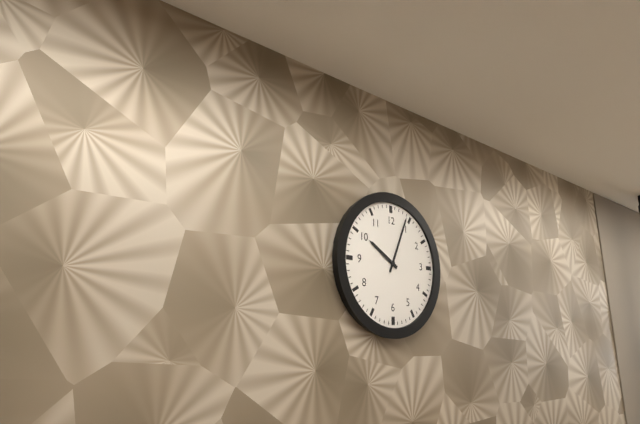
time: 10:04
